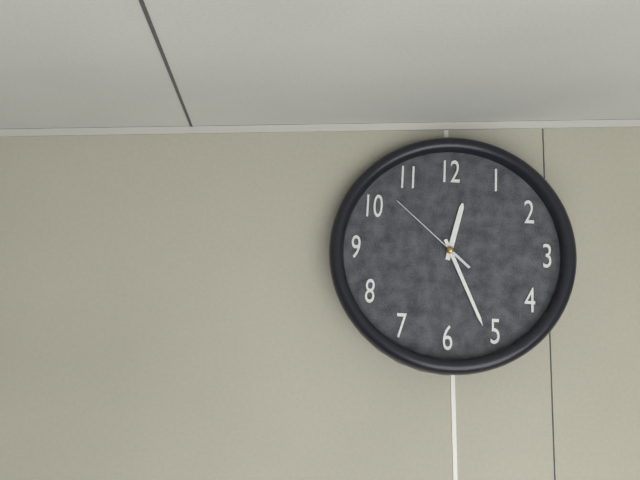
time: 12:26:52
